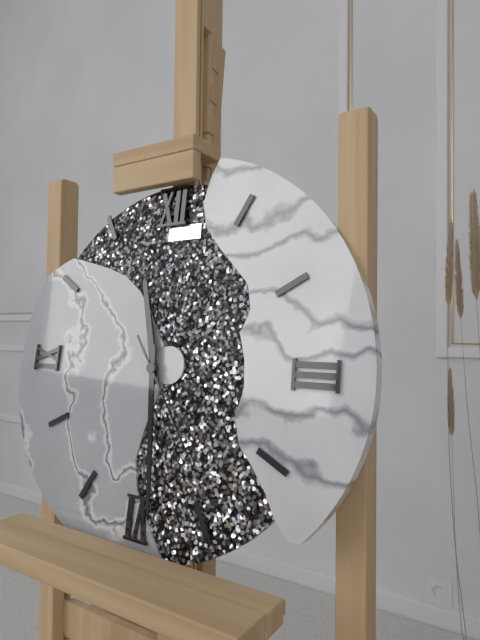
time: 11:29:24
